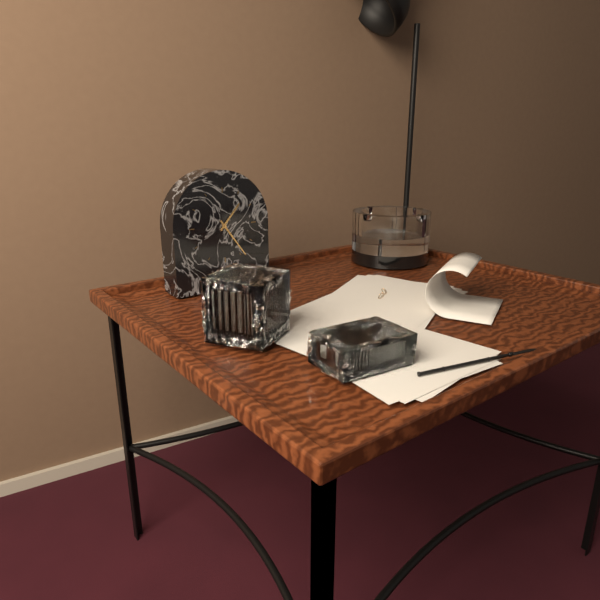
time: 1:24
